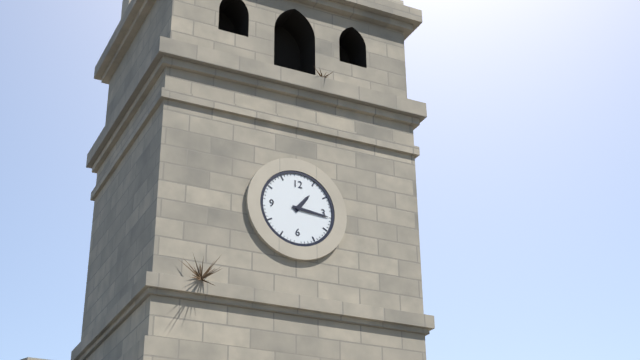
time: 1:16
